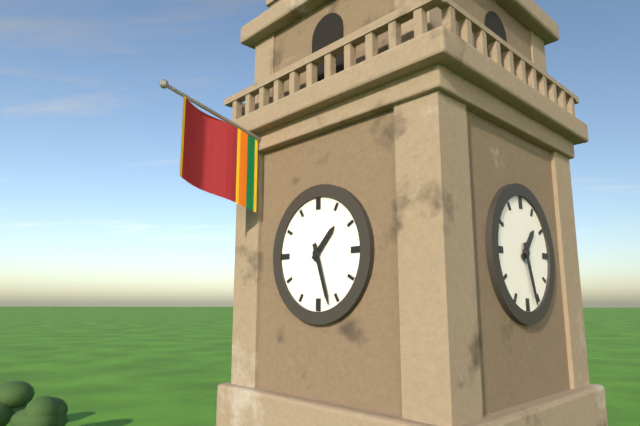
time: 1:27
